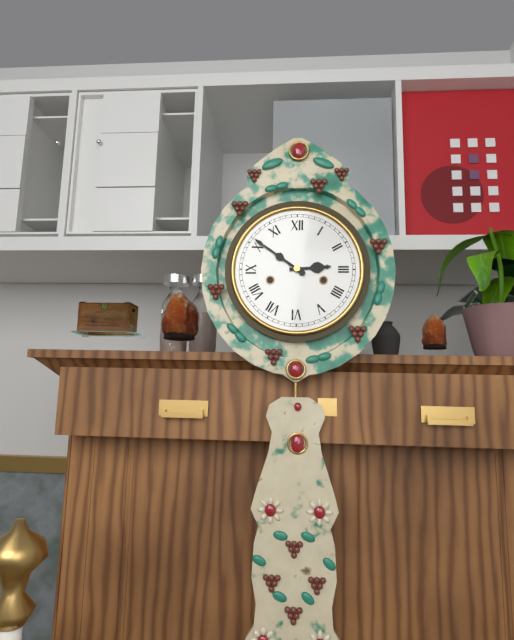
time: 2:51
